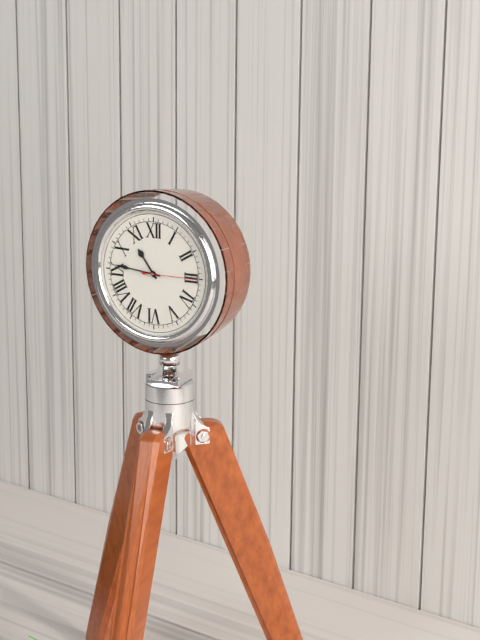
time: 10:46
